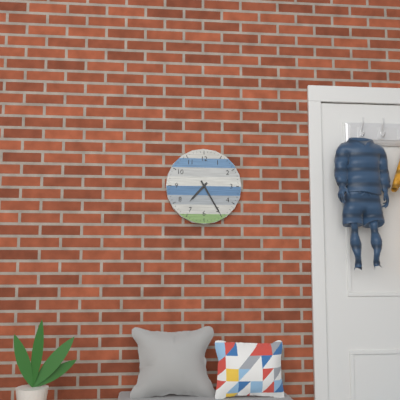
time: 7:25
